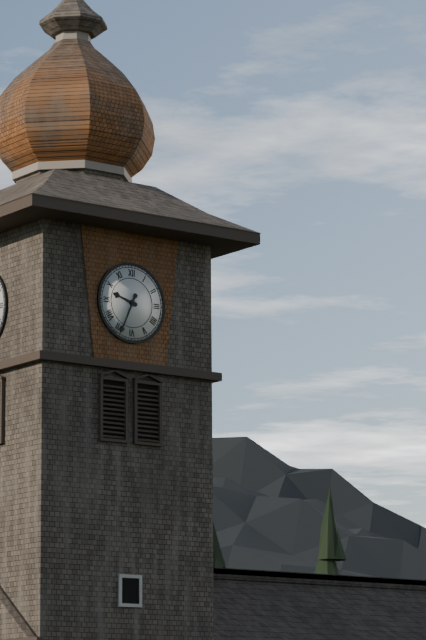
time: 9:34
